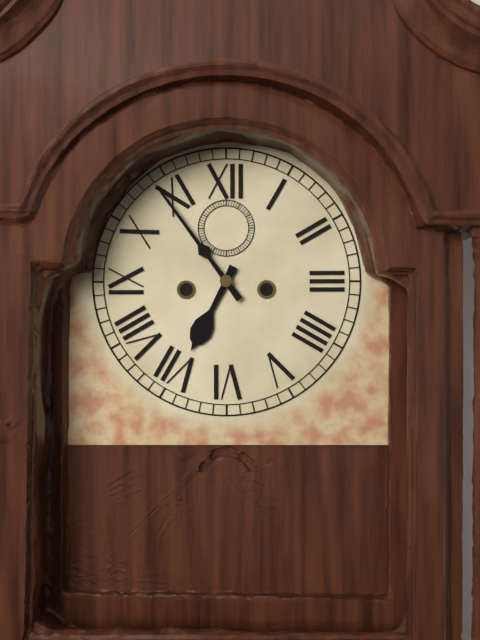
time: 6:54
